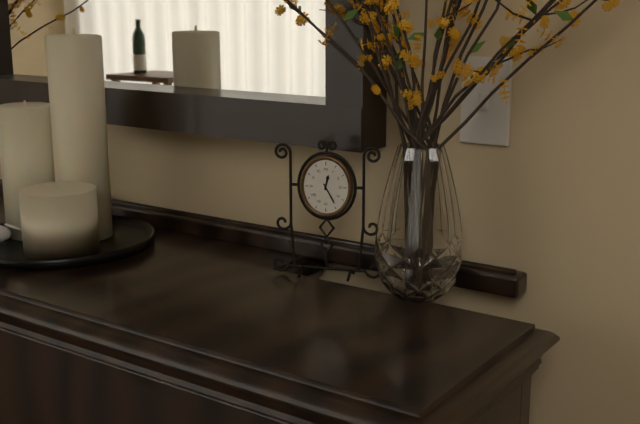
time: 12:25
